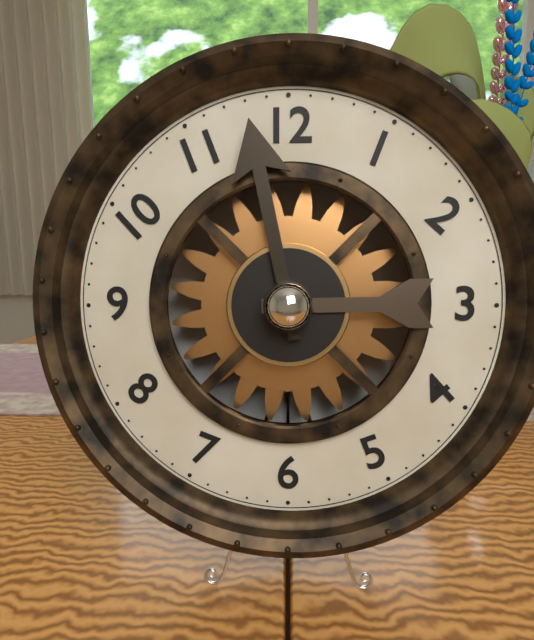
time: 2:58
